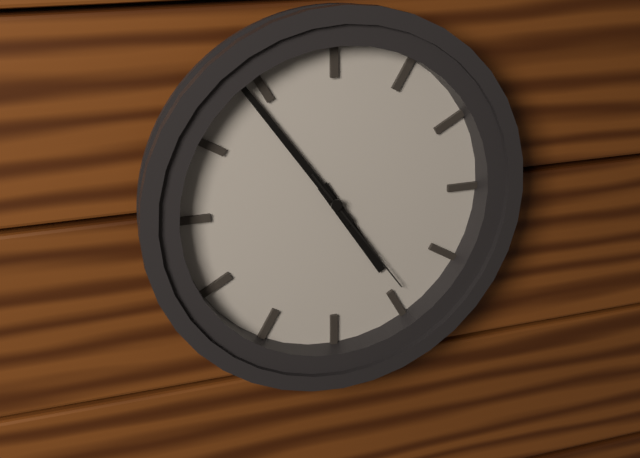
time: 4:54:24
